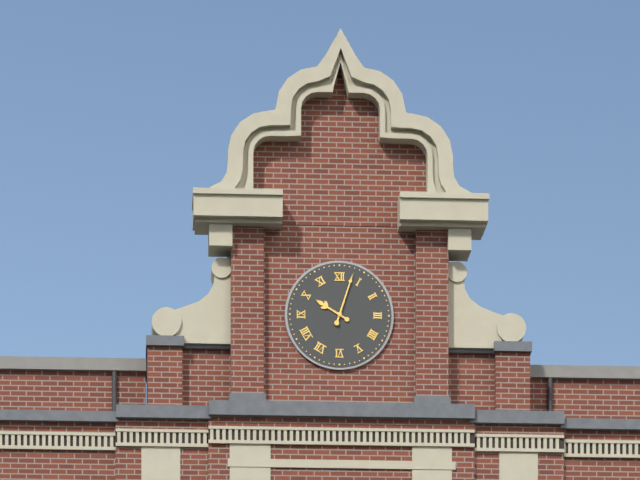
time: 10:03
